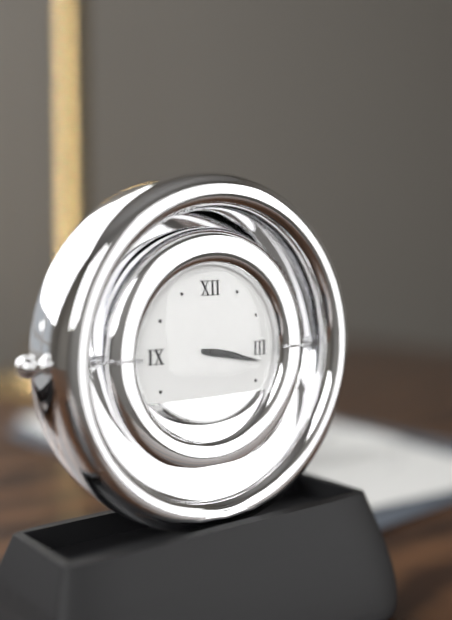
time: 3:17
